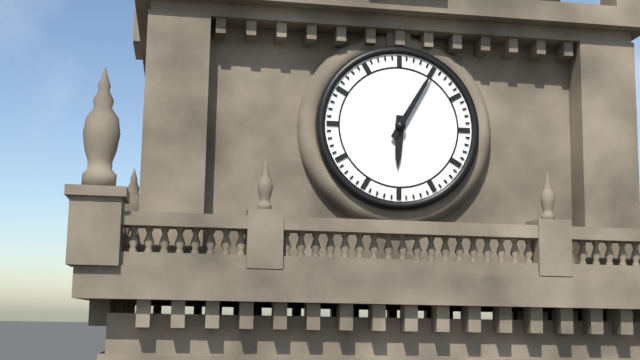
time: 6:05
